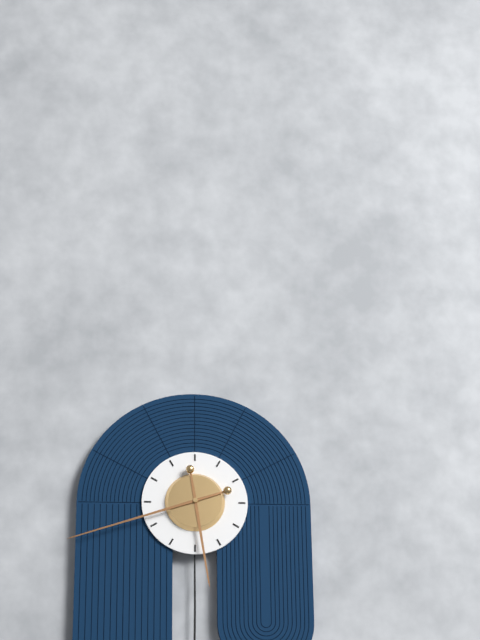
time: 5:42
